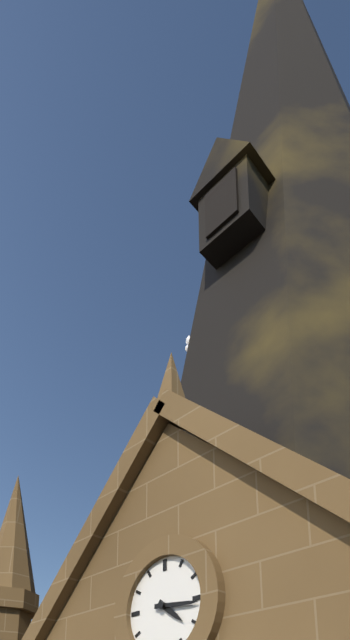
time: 4:16
